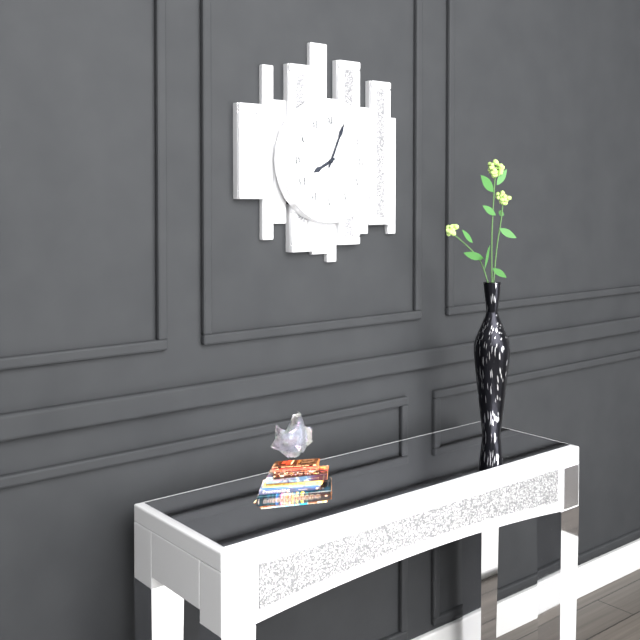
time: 8:04
